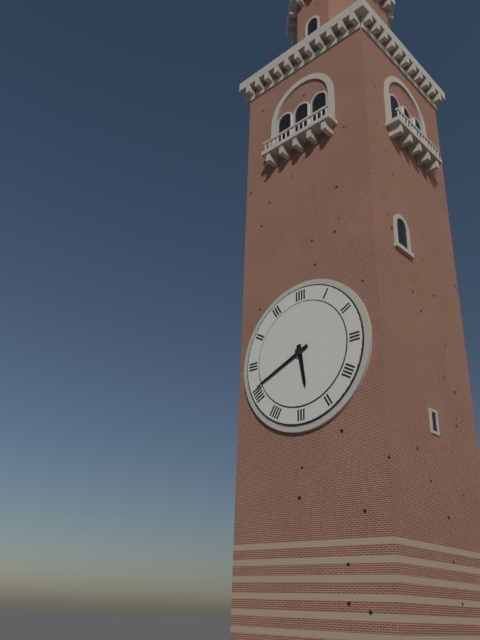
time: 5:41
